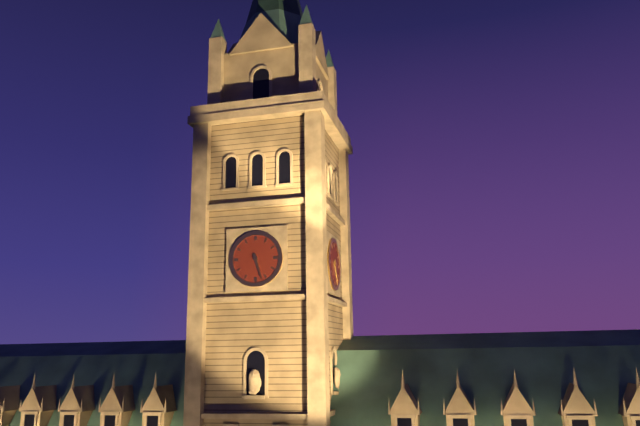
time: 5:27
